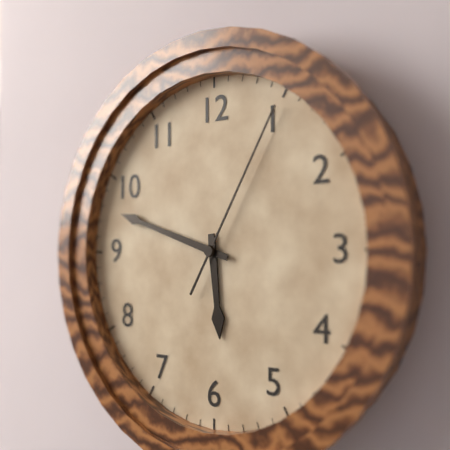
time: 5:48:05
